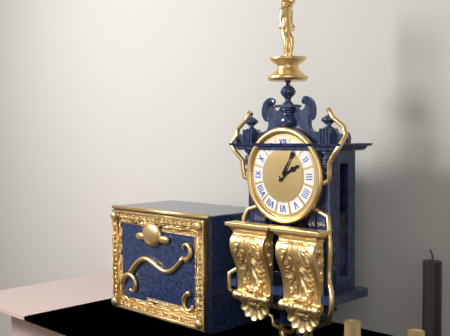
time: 2:05
